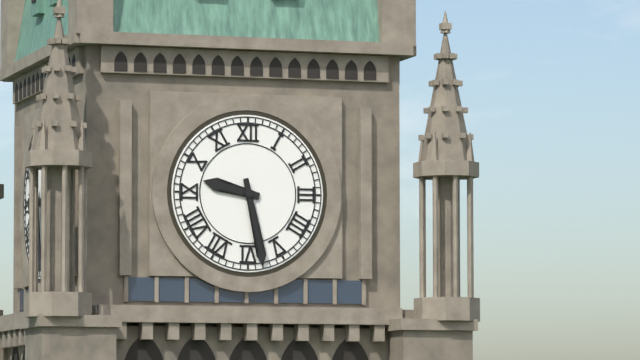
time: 9:28
